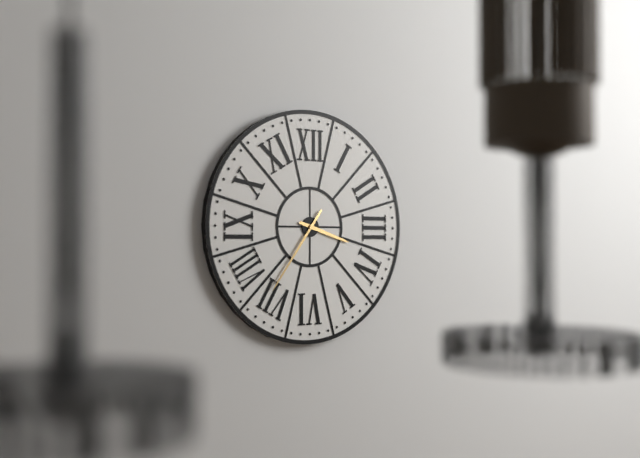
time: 3:36
